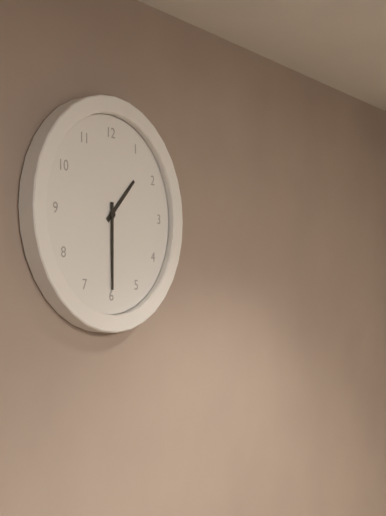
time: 1:30
